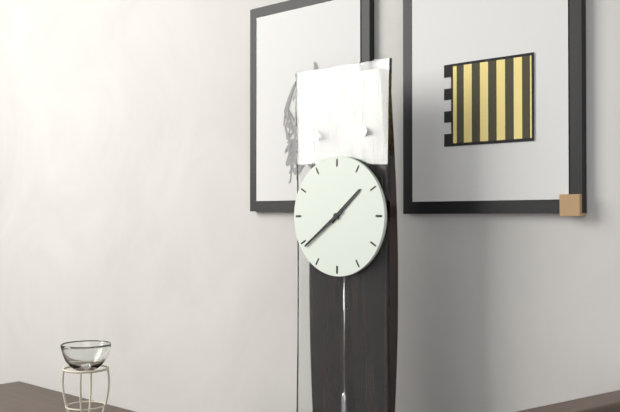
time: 1:39
